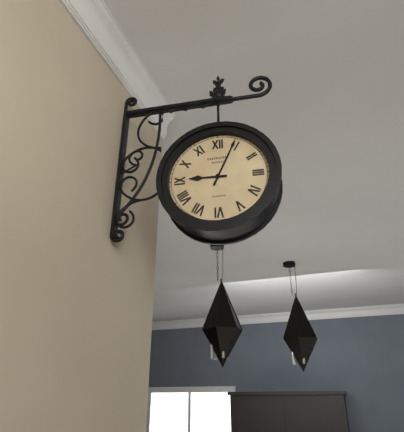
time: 9:04
